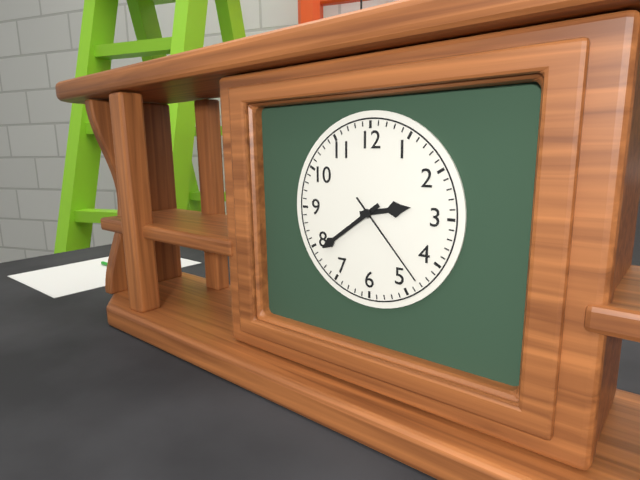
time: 2:39:23
